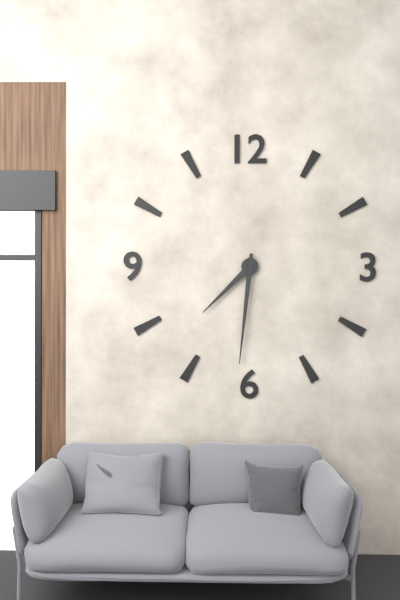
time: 7:31
